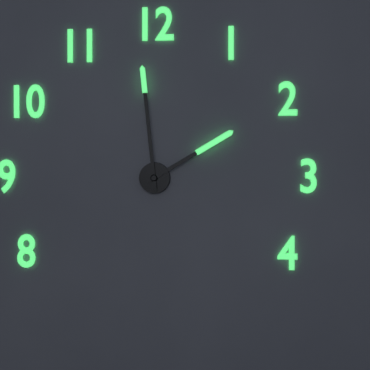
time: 1:59
